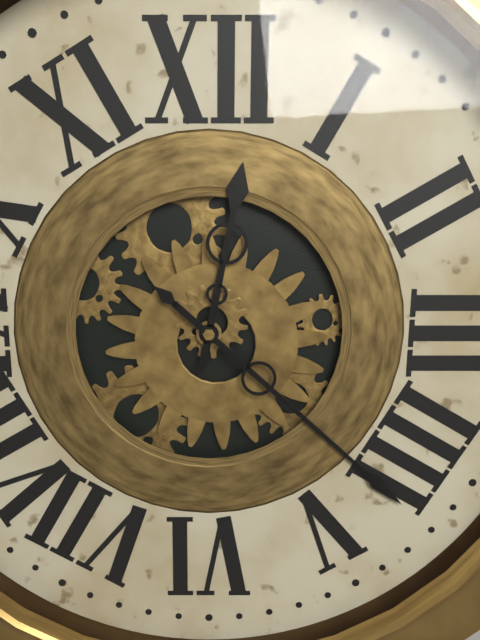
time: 12:22
